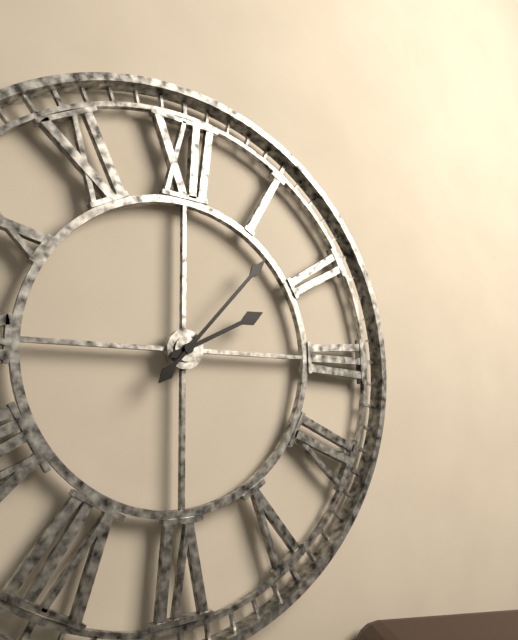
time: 2:07
